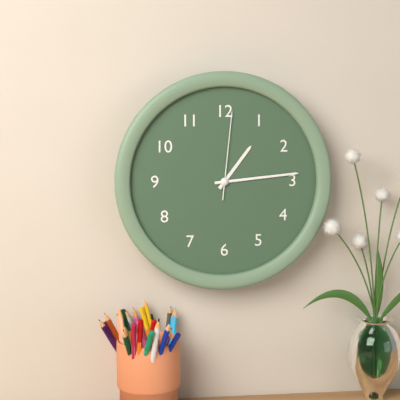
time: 1:14:01
